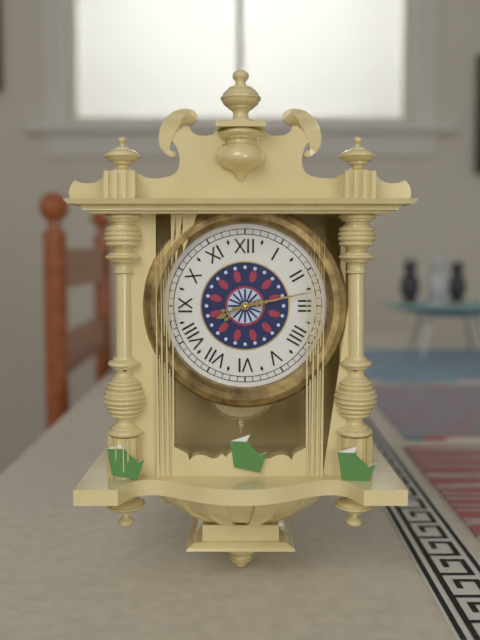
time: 8:13
